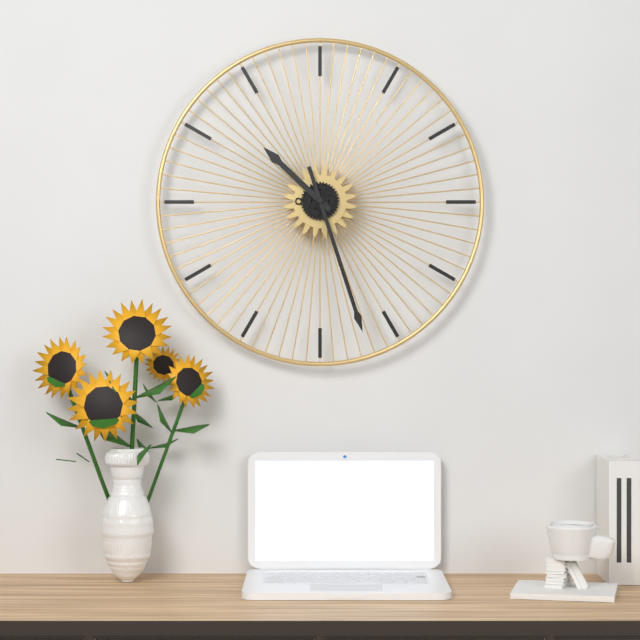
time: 10:27
